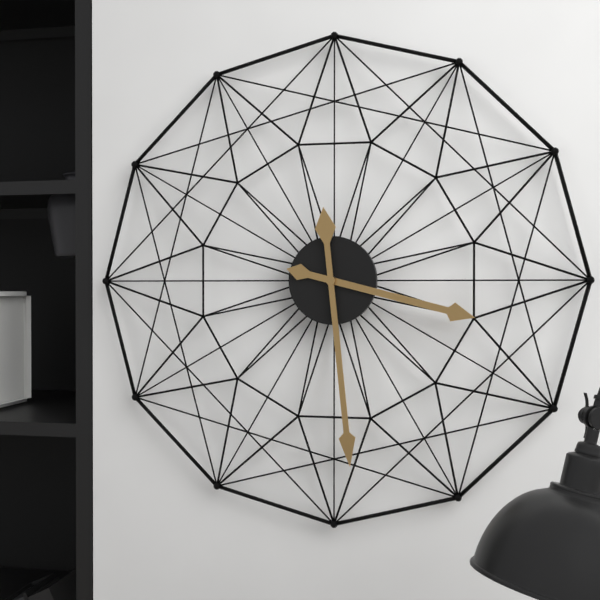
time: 3:29
